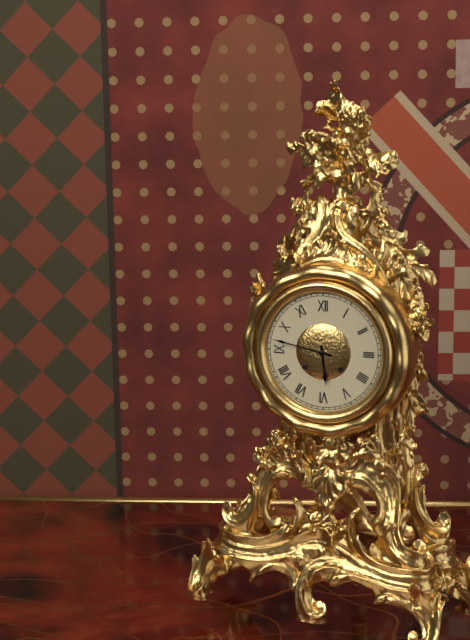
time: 5:47
